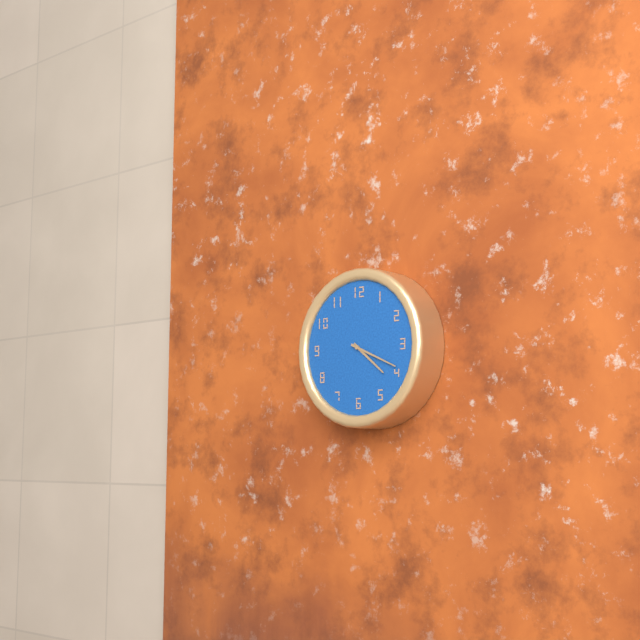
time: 4:19
